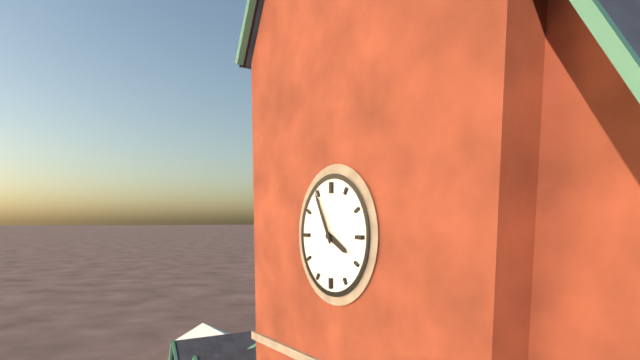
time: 3:55
